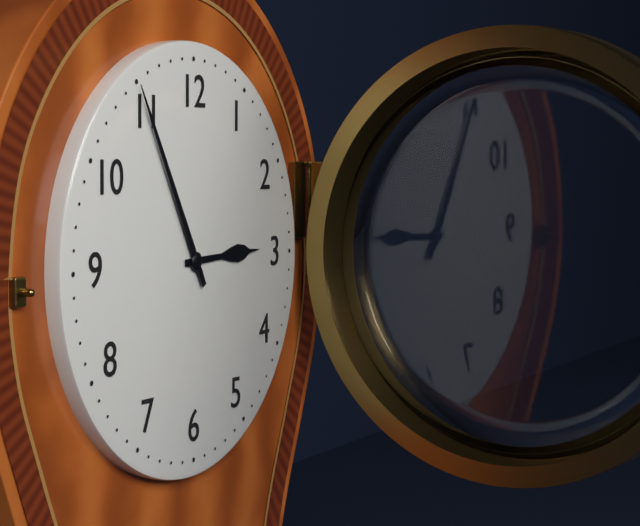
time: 2:55
